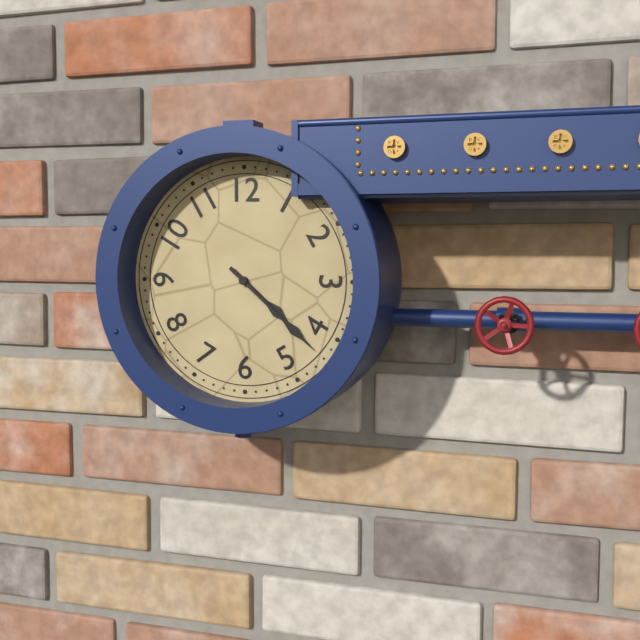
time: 4:22
